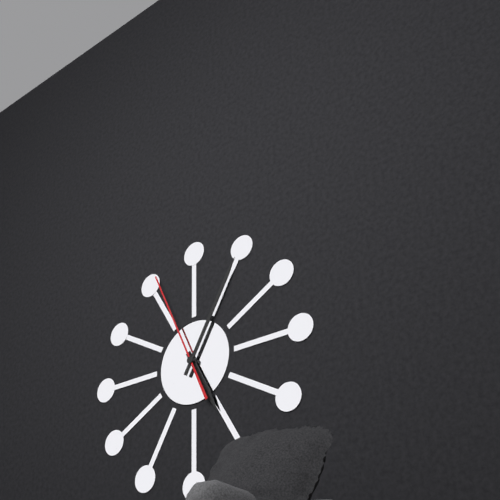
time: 5:05:56
